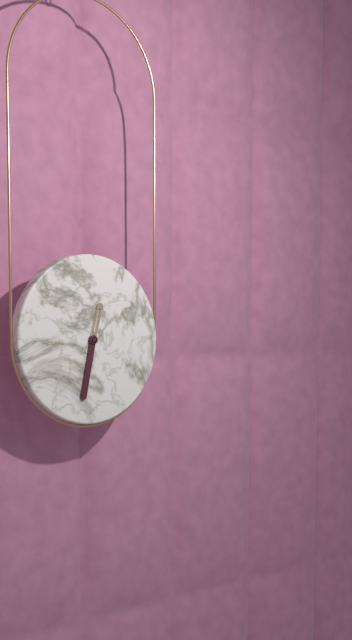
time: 12:32
